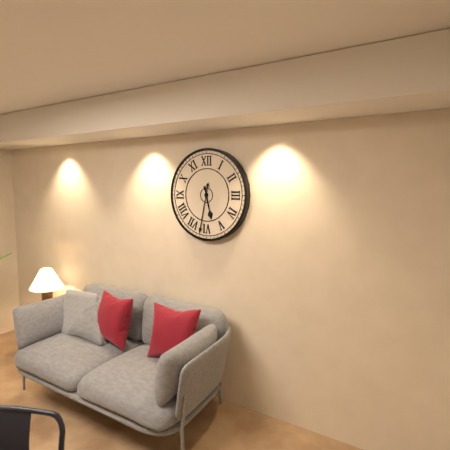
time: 5:32
